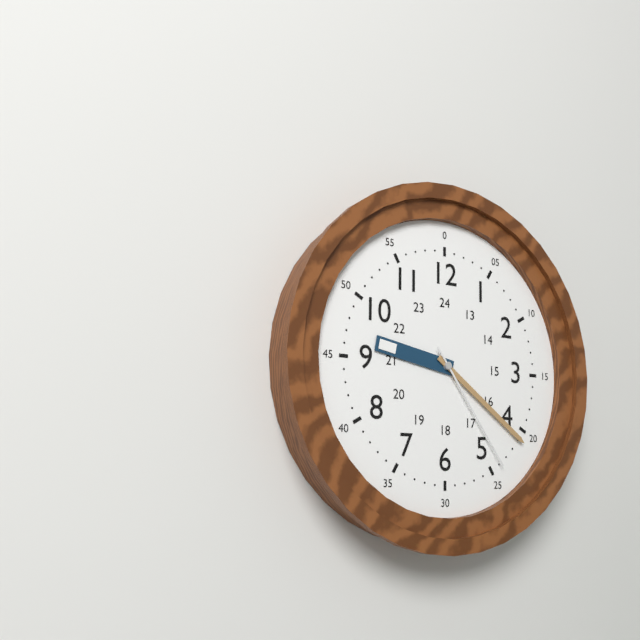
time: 9:21:24
